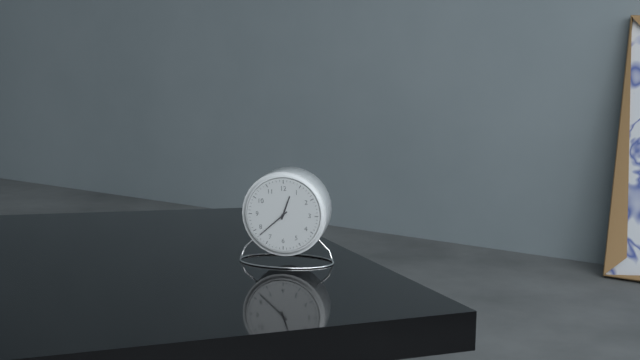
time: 12:38
